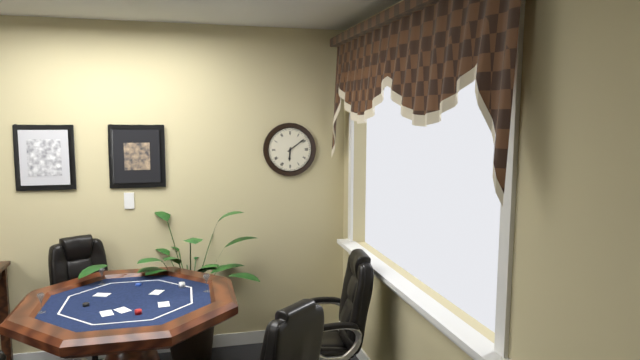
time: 6:09
